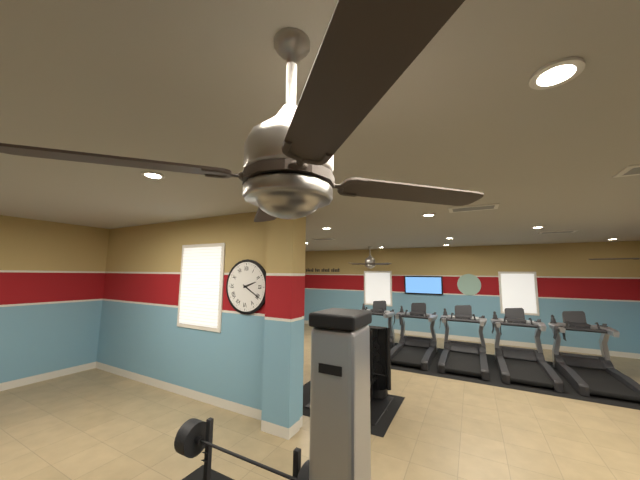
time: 2:20
